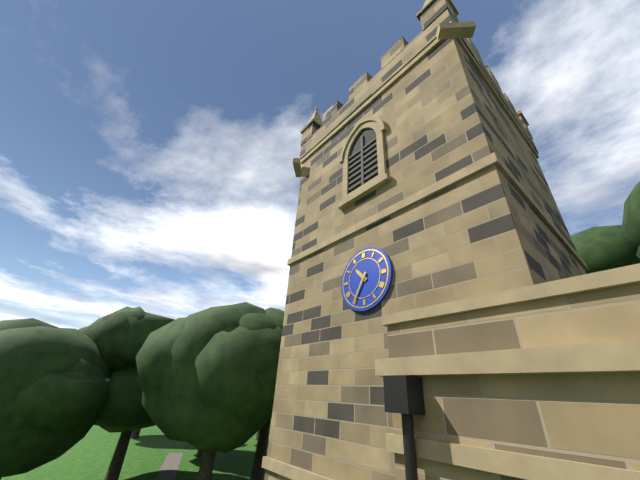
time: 10:35
